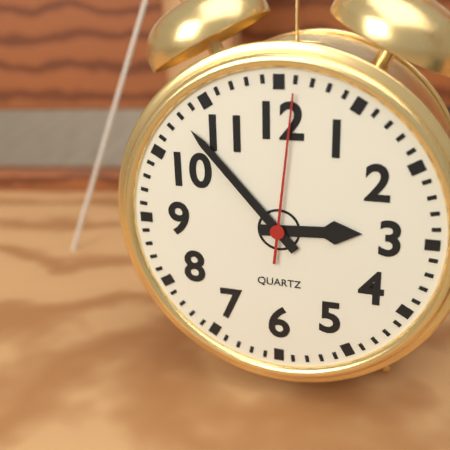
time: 2:53:01
